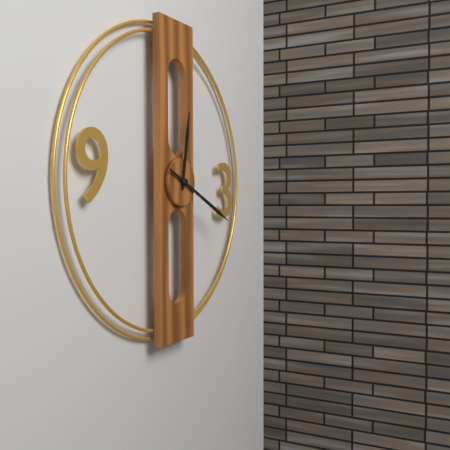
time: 12:19
